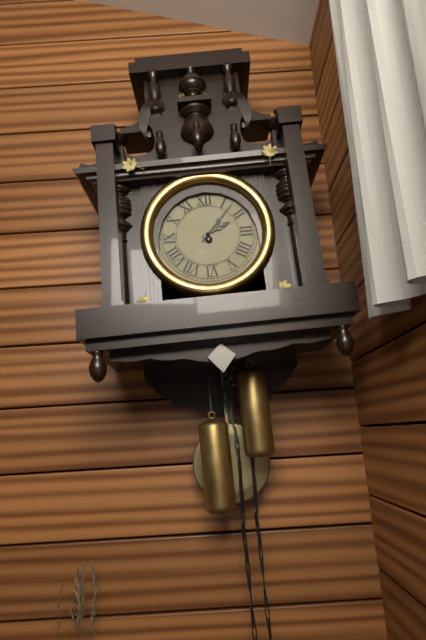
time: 2:07
